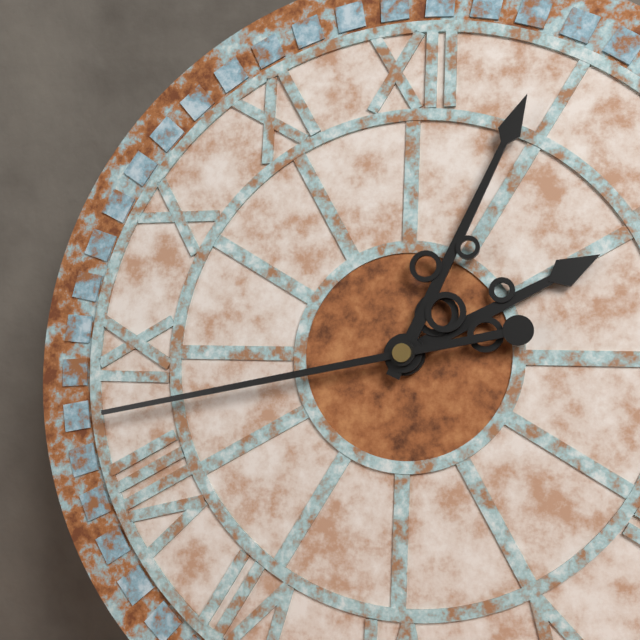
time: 2:04:43
